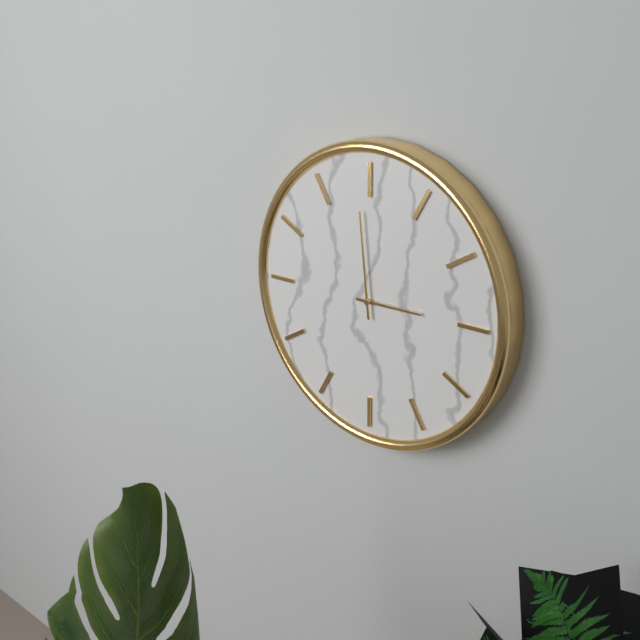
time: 2:59
